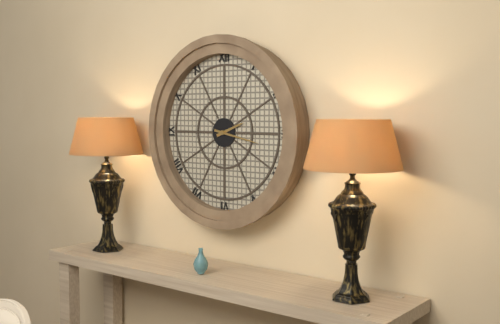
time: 2:17
